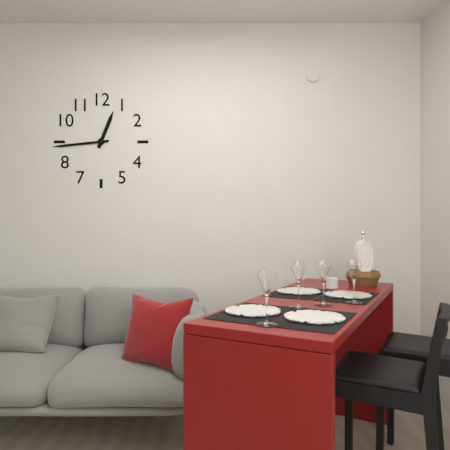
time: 12:44
